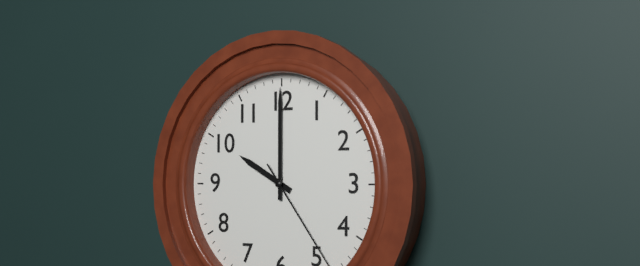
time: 10:00
